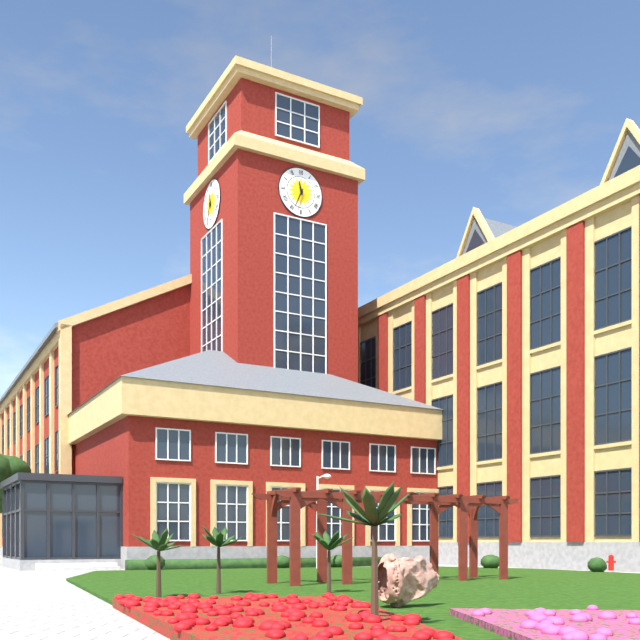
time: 11:34
